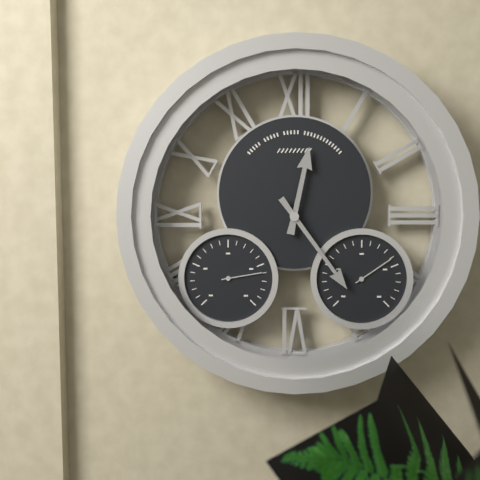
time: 12:24
